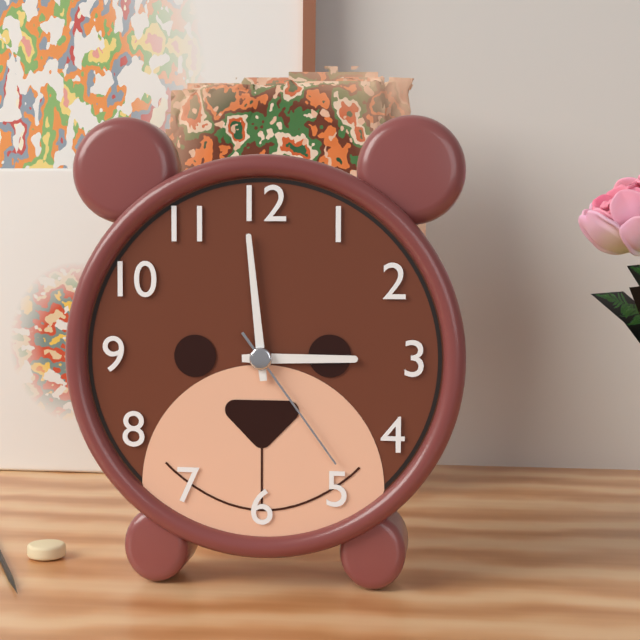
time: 2:59:24
